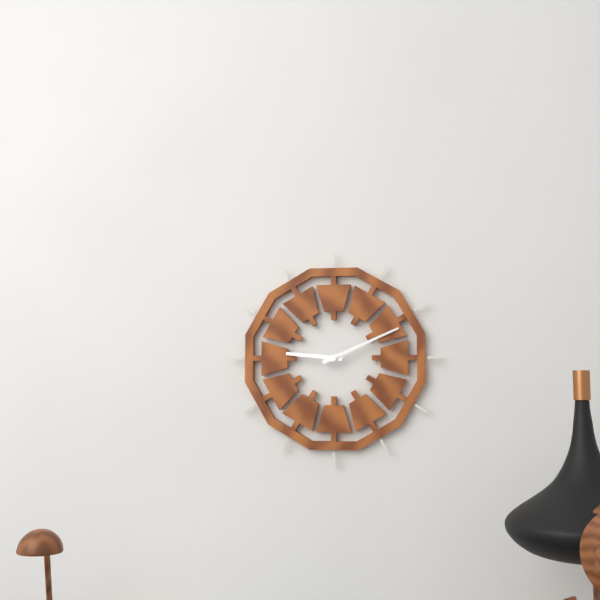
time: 9:11
